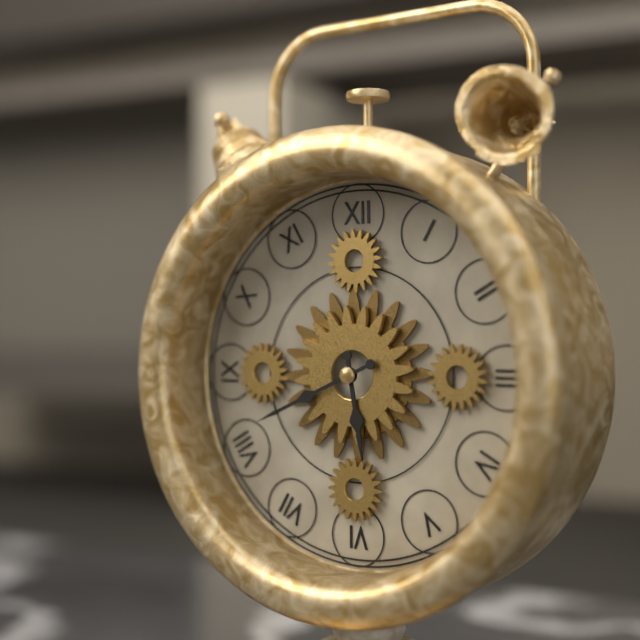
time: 5:41
